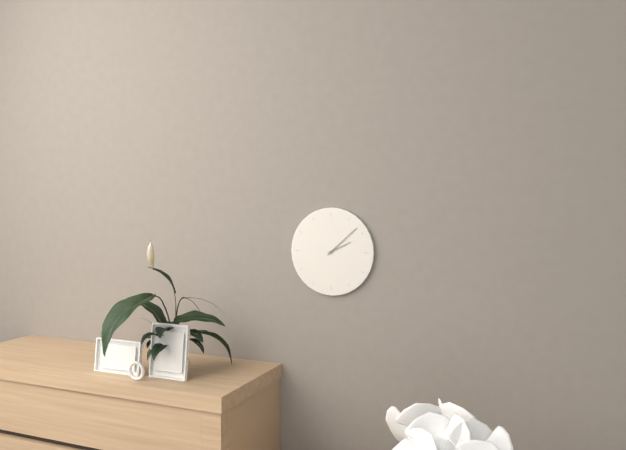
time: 2:08
